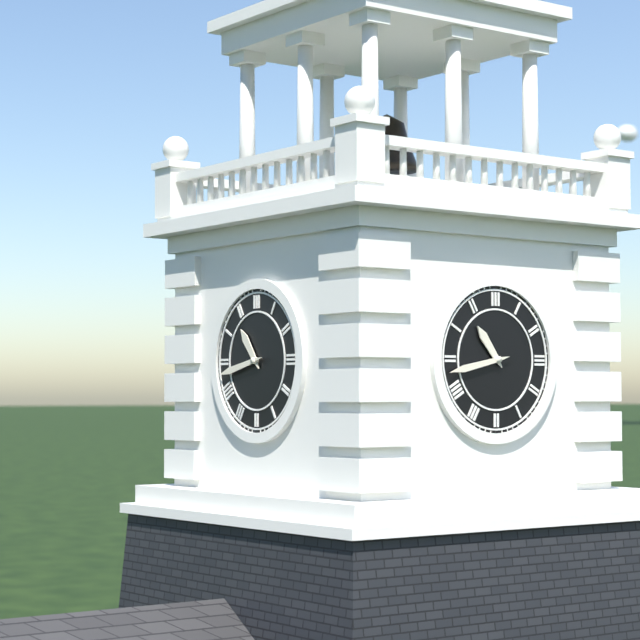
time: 10:43
